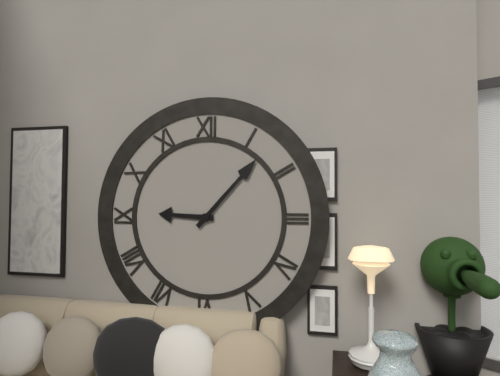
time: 9:07
